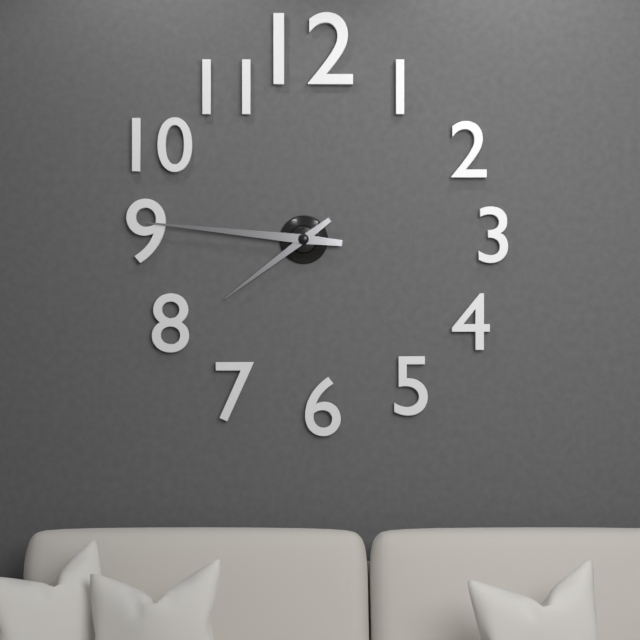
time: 7:46
